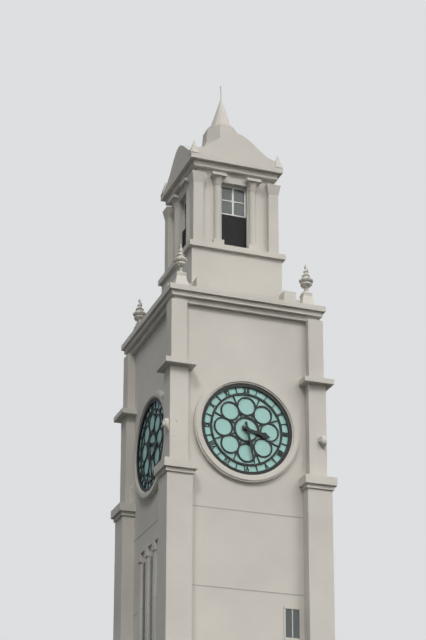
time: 3:28
